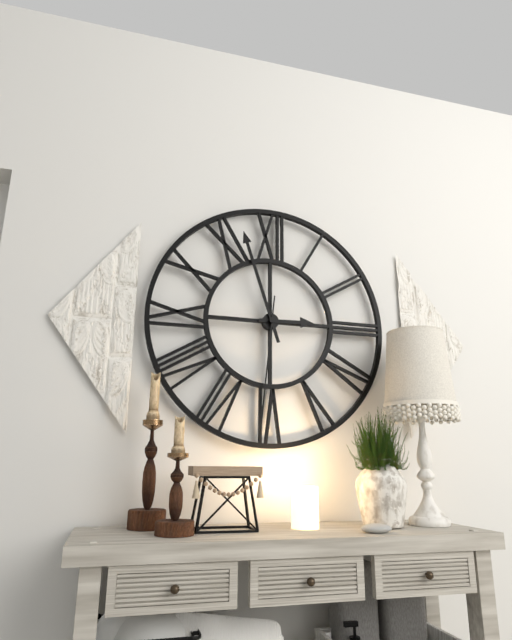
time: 2:57:31
